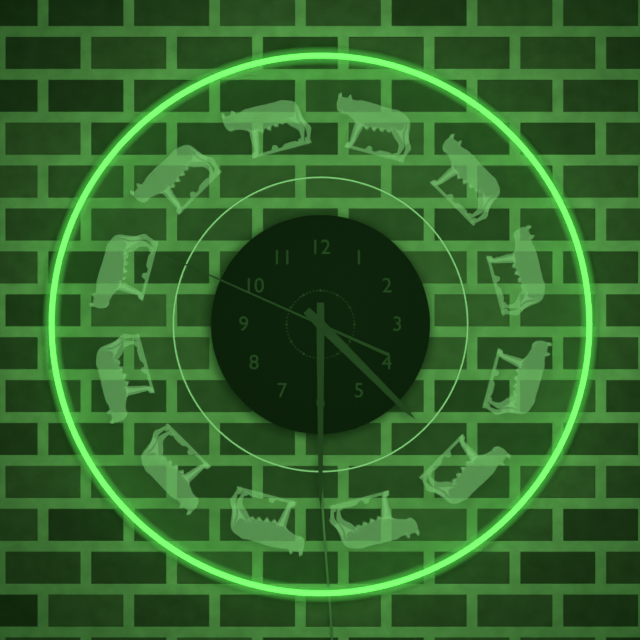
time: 4:30:49
